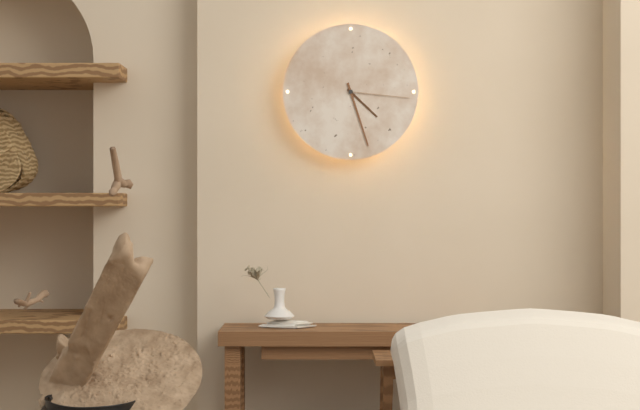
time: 4:27:16
